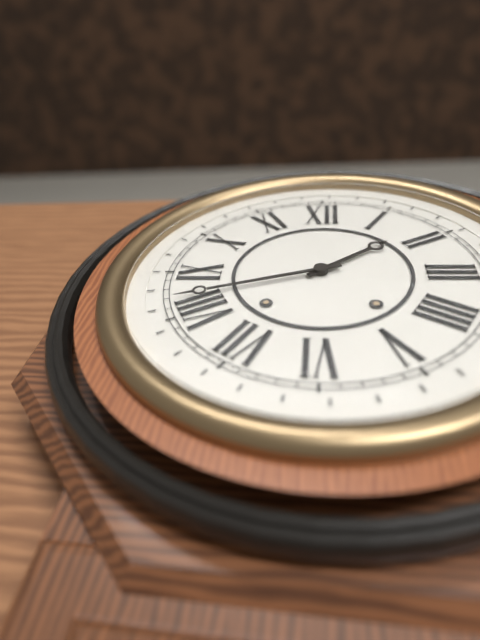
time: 1:42
